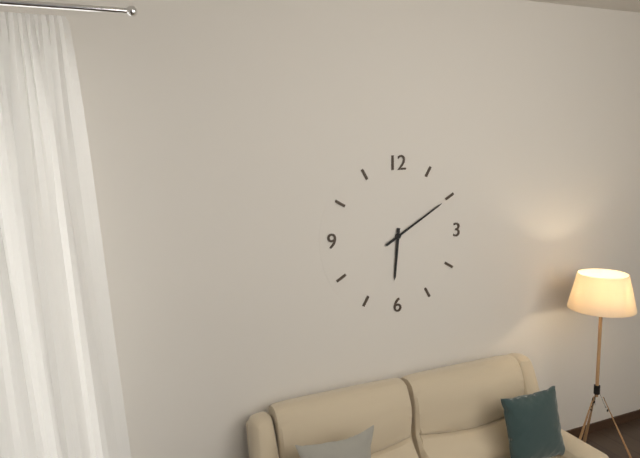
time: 6:10
